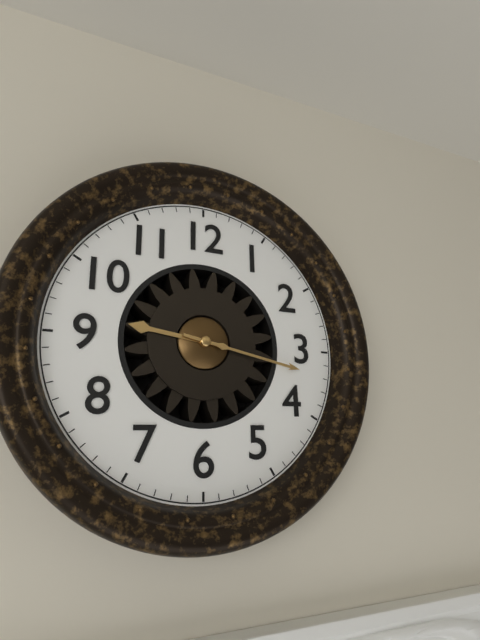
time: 9:17
